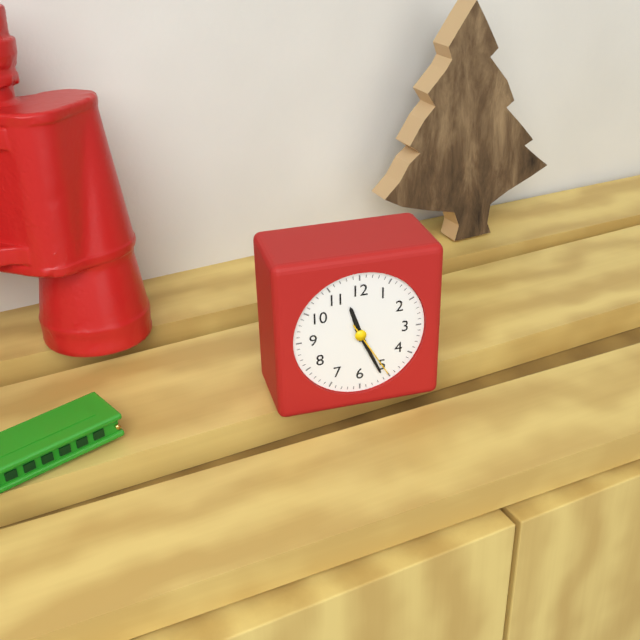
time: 11:26:25
